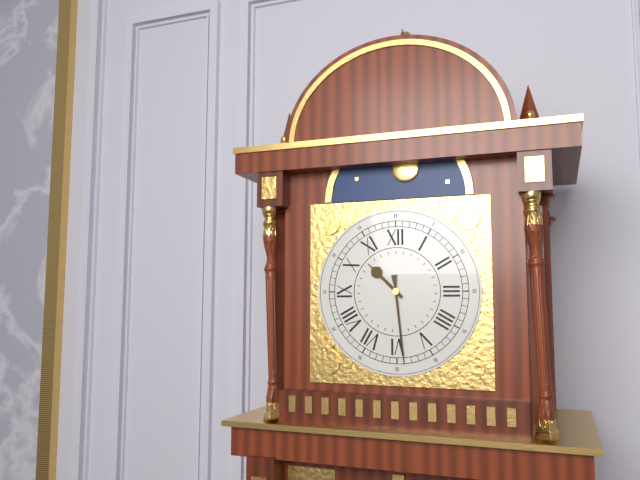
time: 10:29
